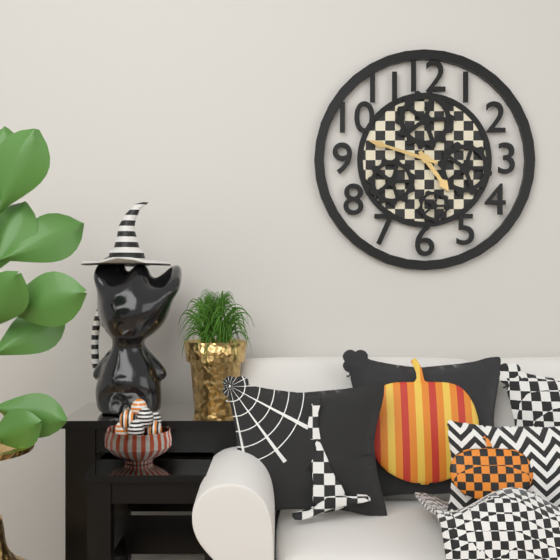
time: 4:48
